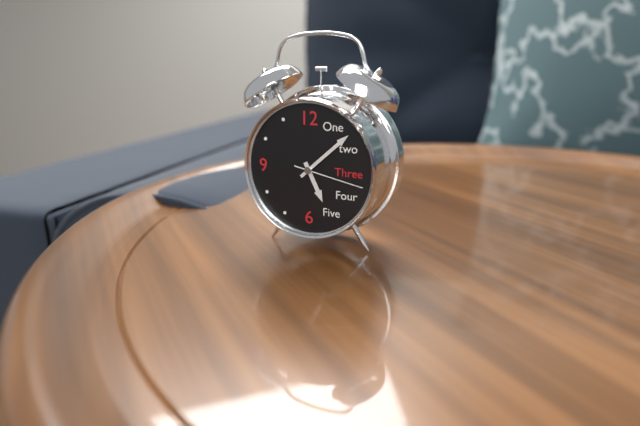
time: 5:08:17
